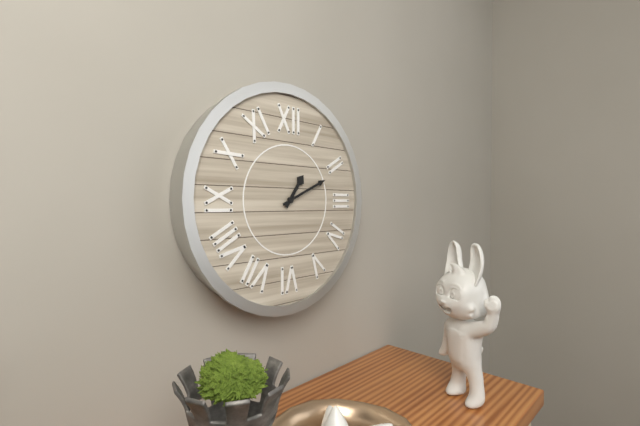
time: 1:11
